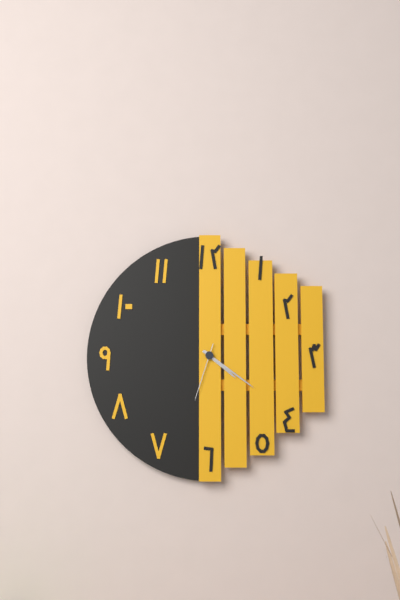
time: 4:21:33
